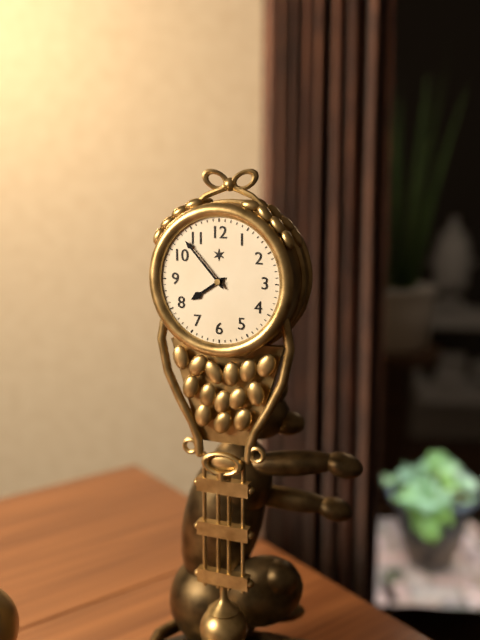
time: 7:53
